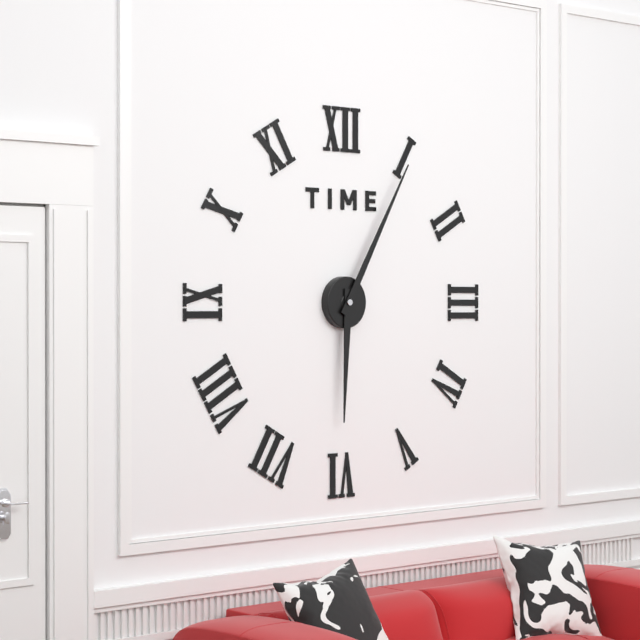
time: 6:05
